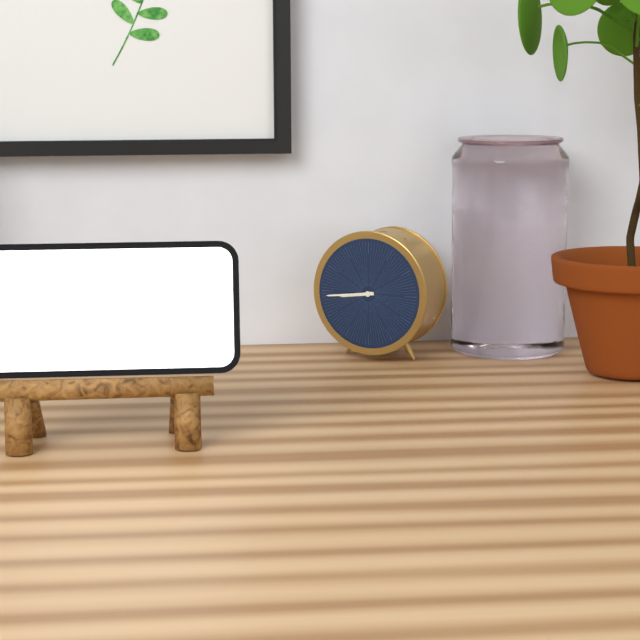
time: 8:44
